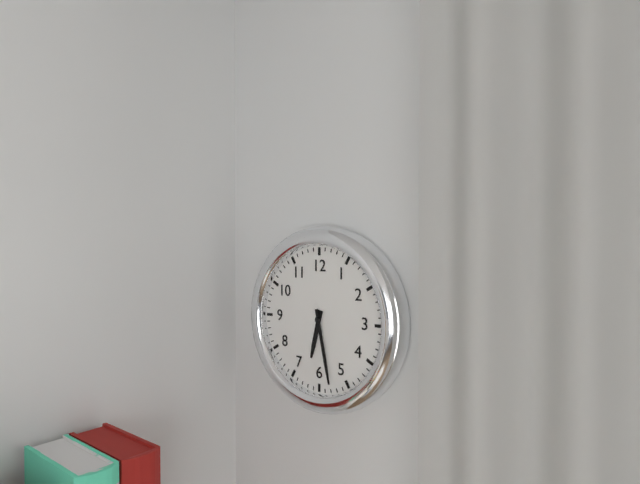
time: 6:28
